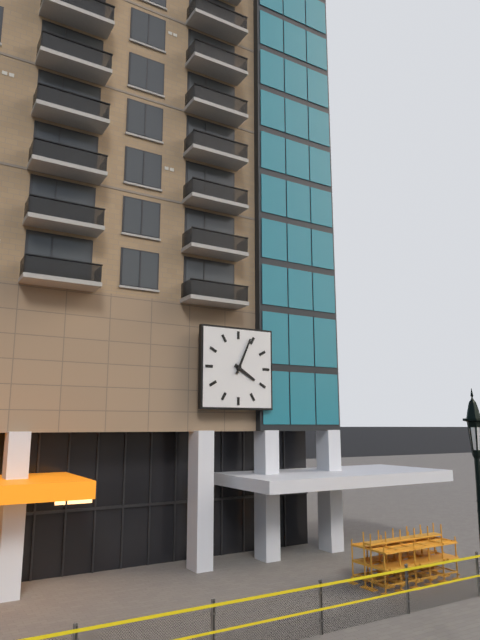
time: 4:04
